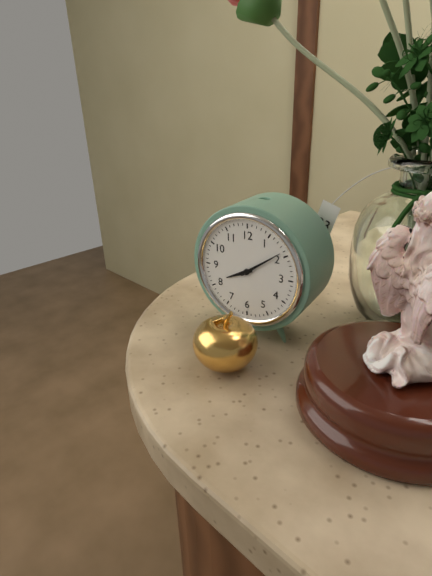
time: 8:09
